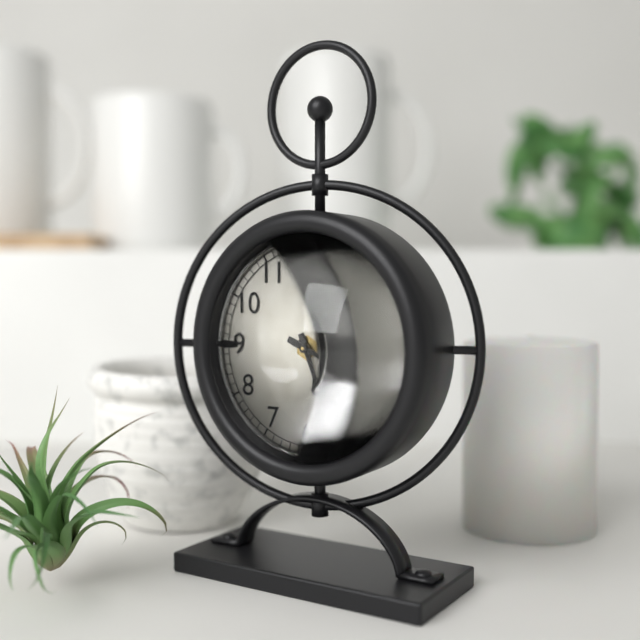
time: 5:19
